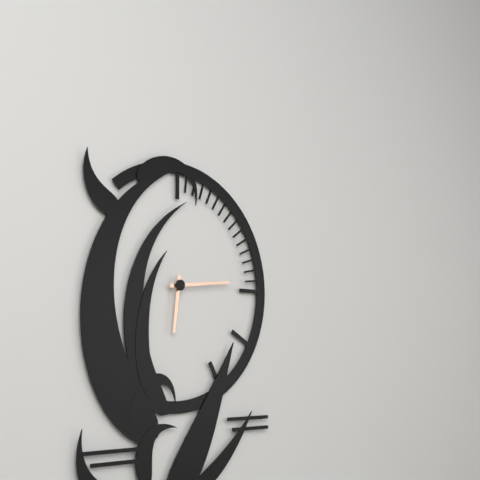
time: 6:14
